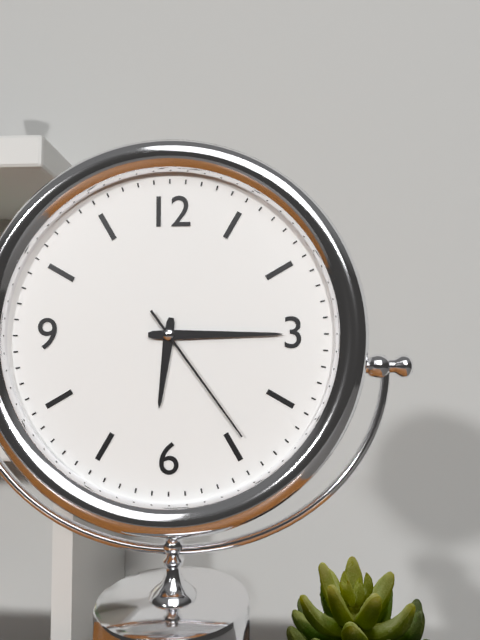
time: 6:15:24
